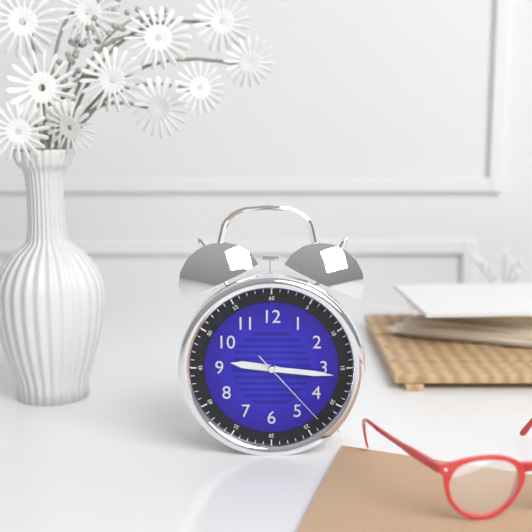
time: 9:16:23
